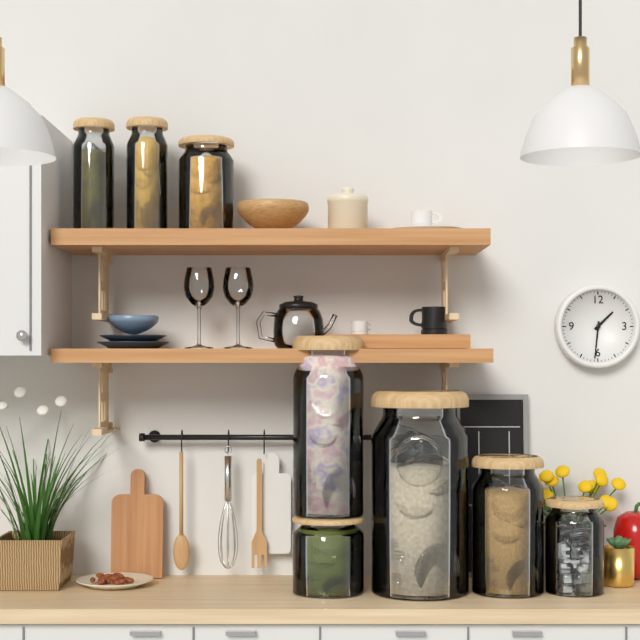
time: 1:31
